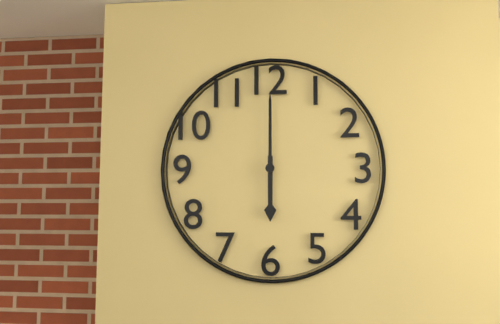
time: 6:00
